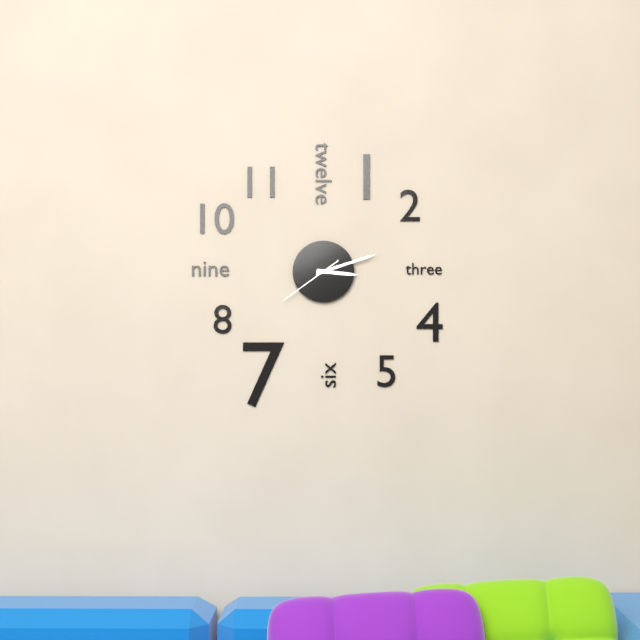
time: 3:12:39
